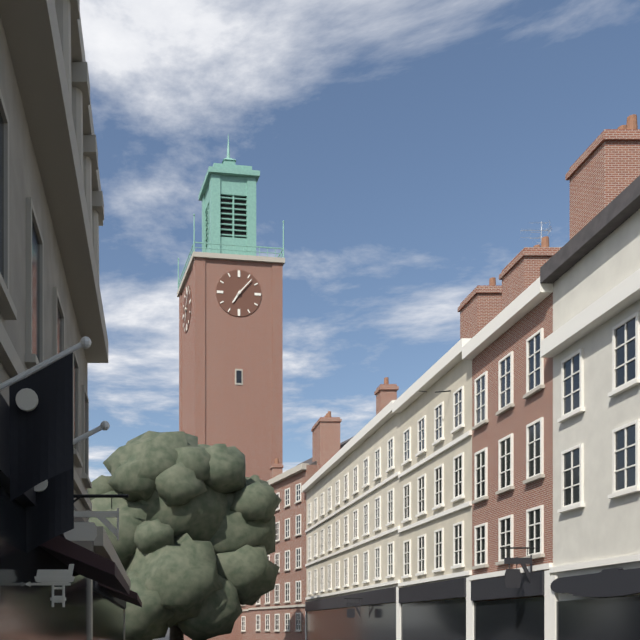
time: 7:07
